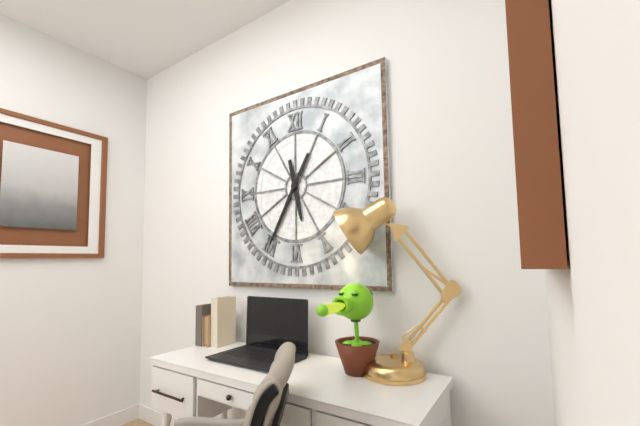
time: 5:35
